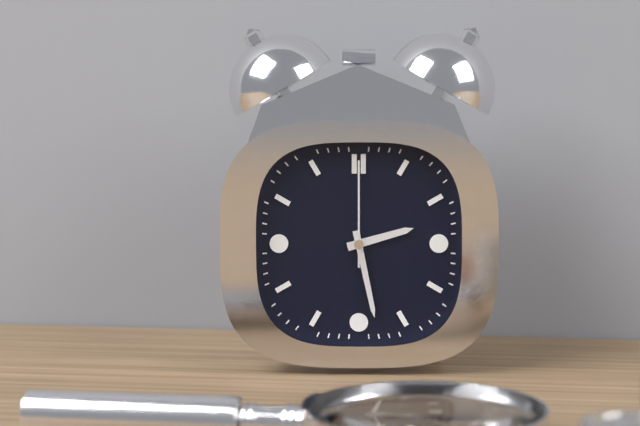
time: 2:28:00
